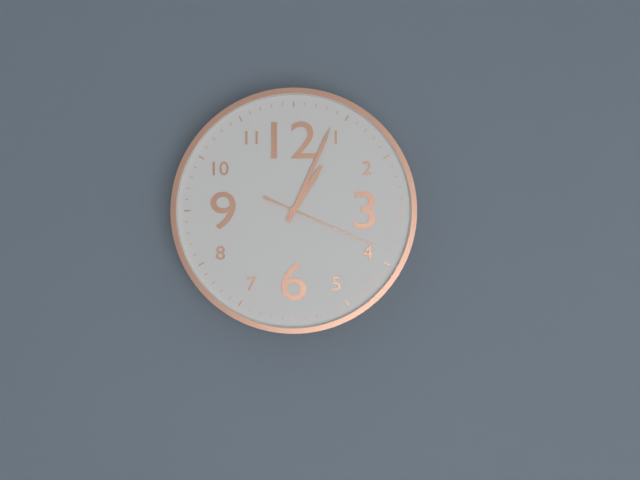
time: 1:04:19
